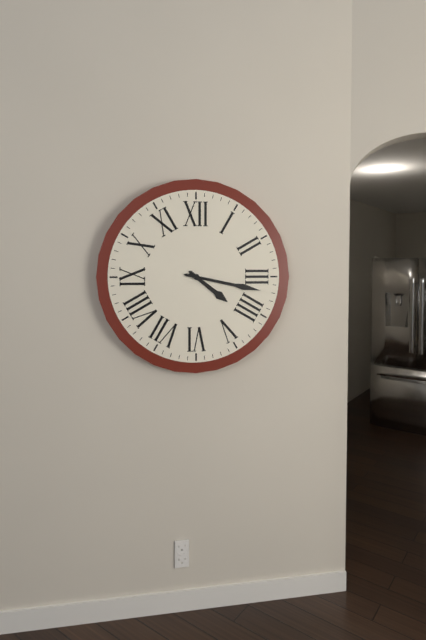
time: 4:17
